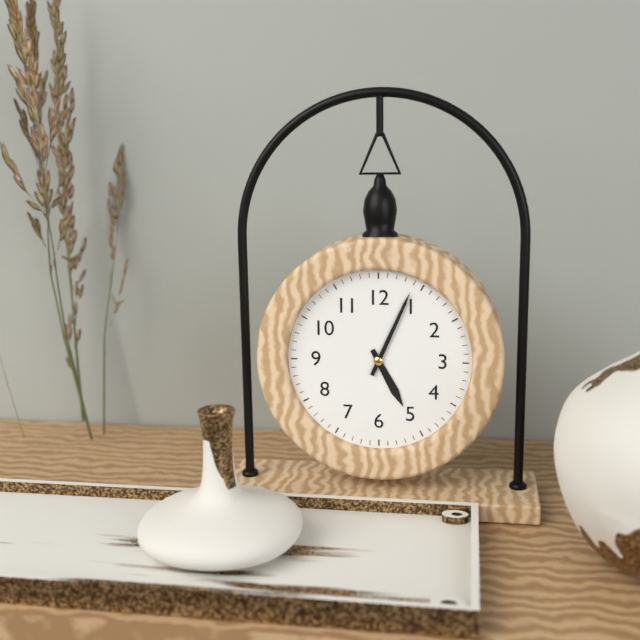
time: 5:04
